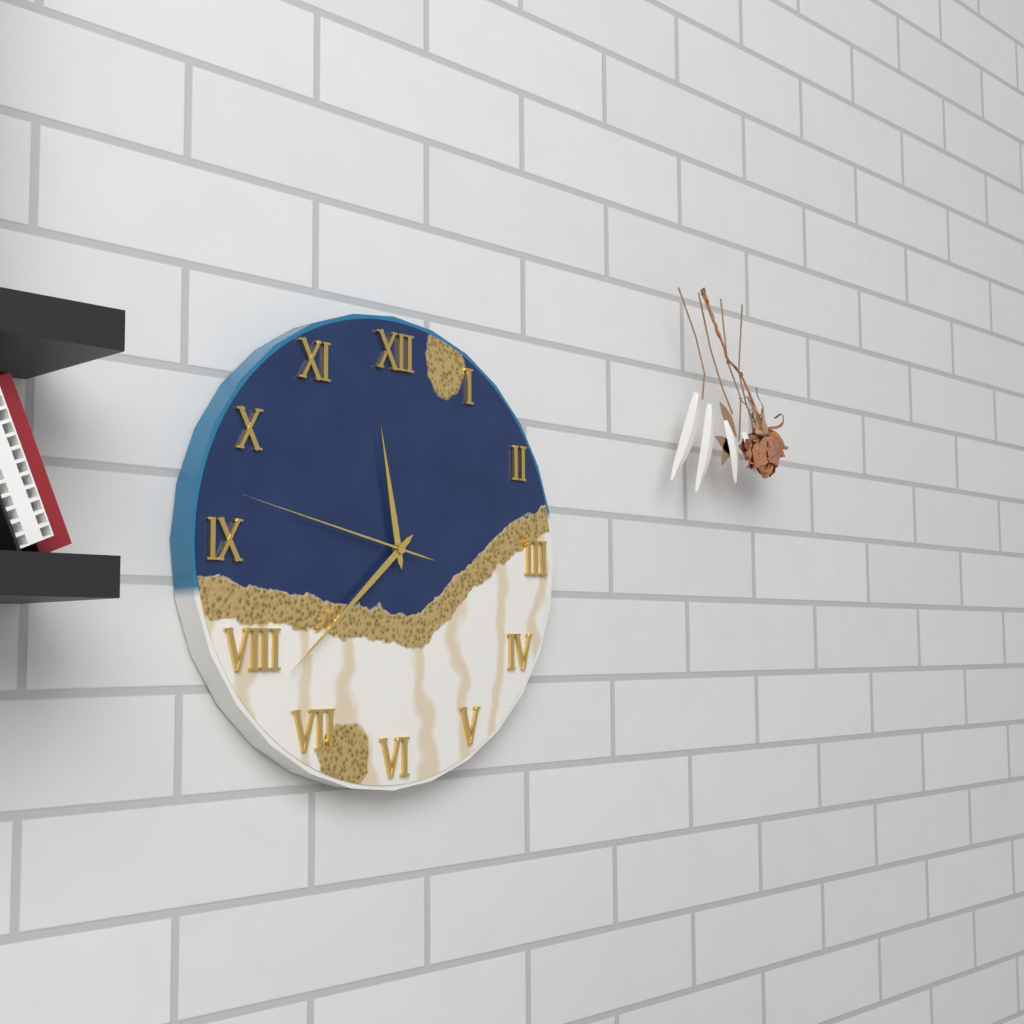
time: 11:38:47
